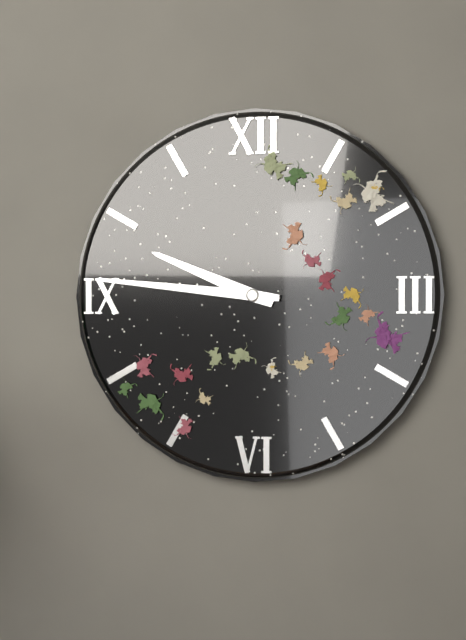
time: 9:46
